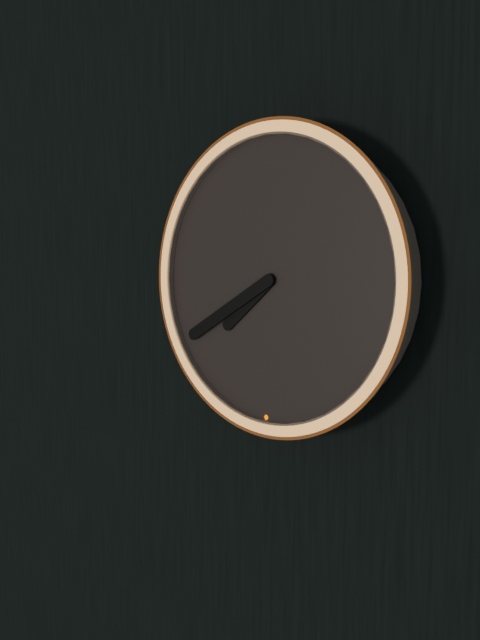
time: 7:40
